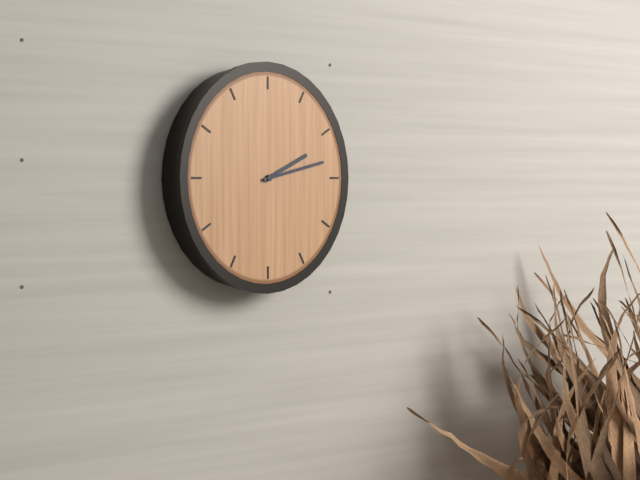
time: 2:13
